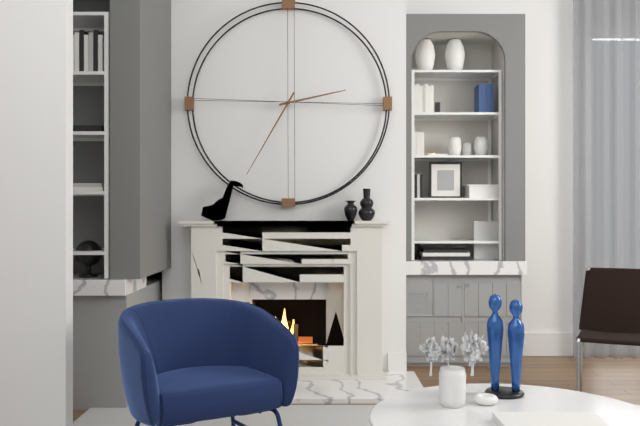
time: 2:35
